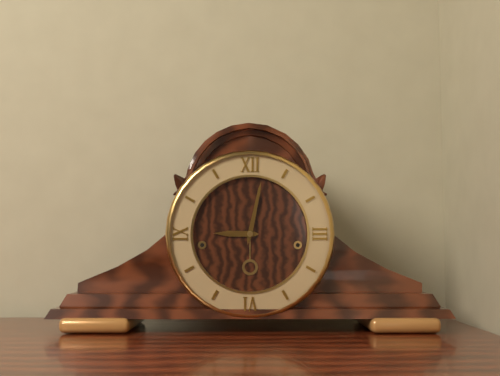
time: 9:02
